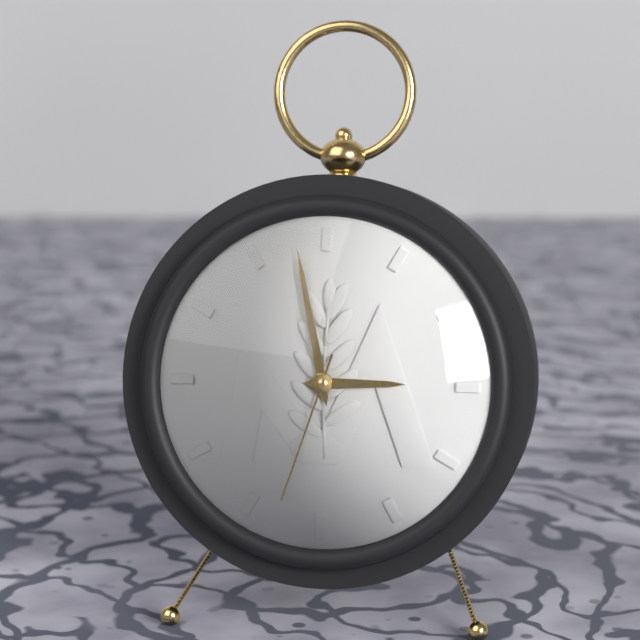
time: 2:58:33
